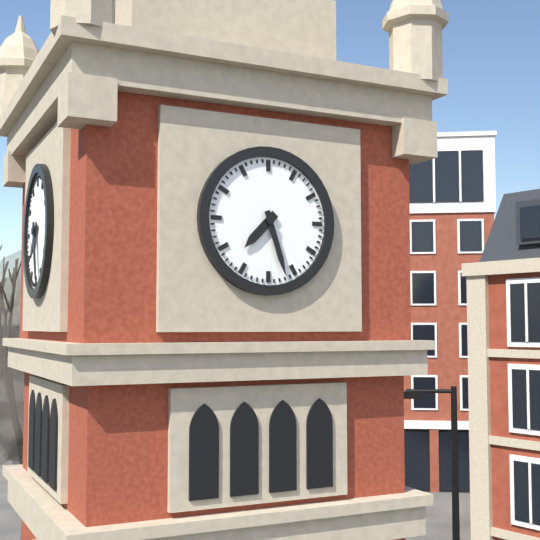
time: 7:27
